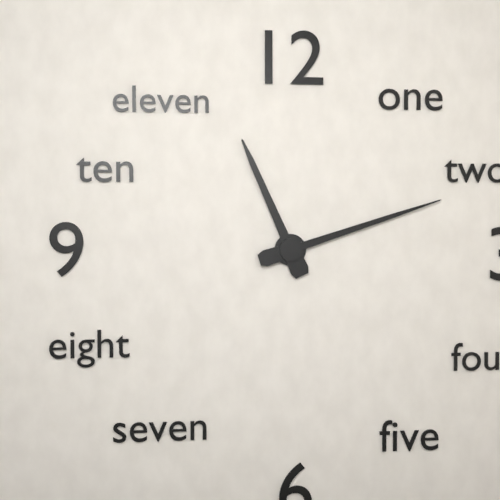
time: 11:12
